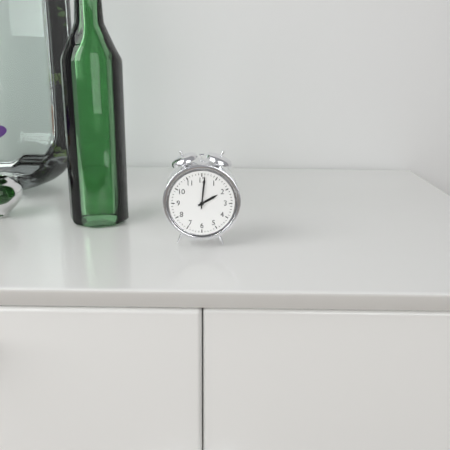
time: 2:01
